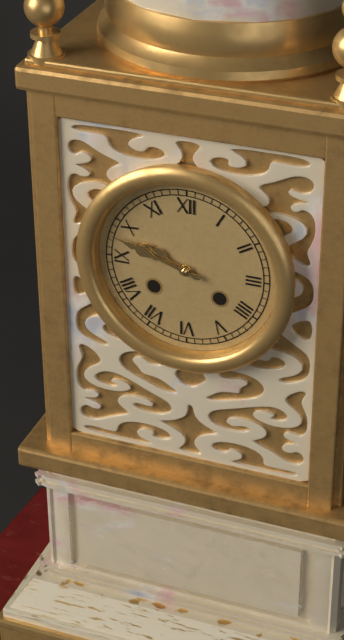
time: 9:48
